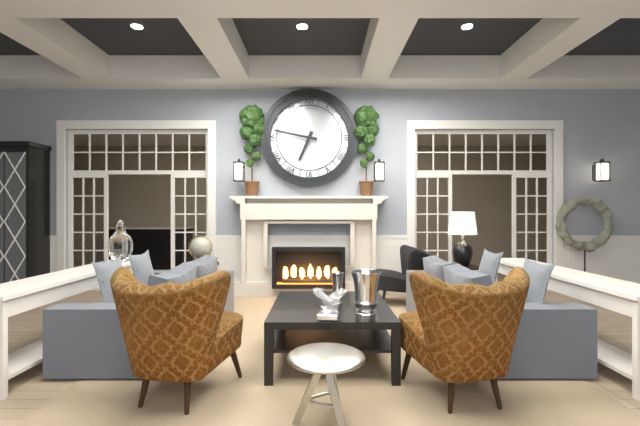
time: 6:47
